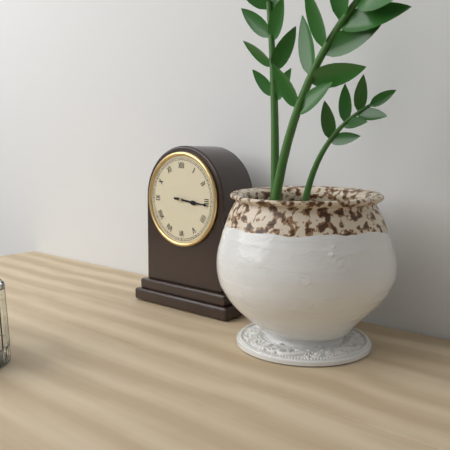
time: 3:16
